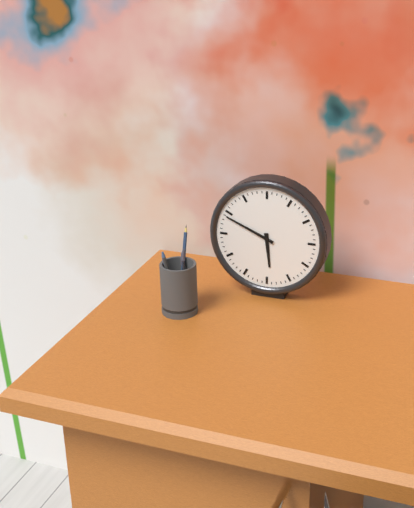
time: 5:49
